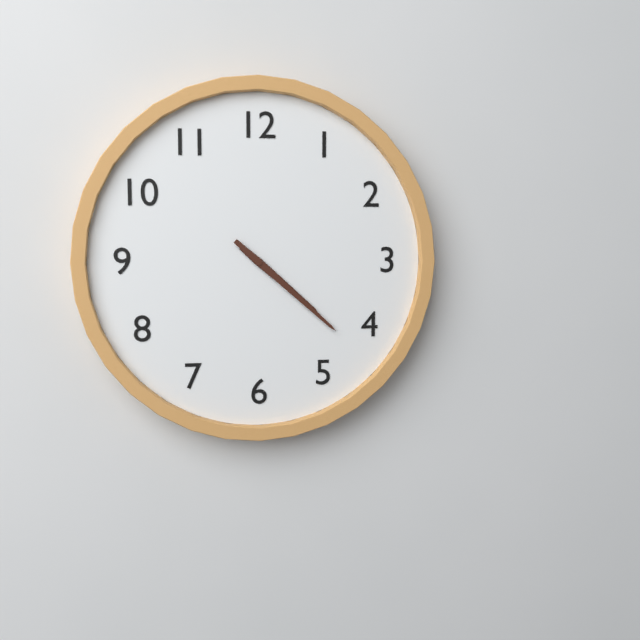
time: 4:22
